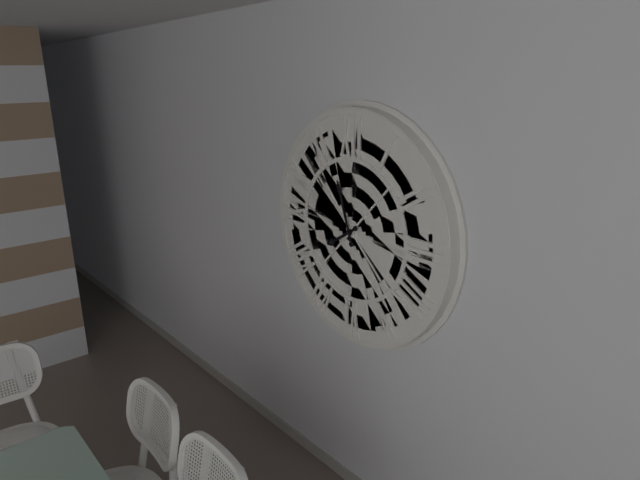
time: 7:57
